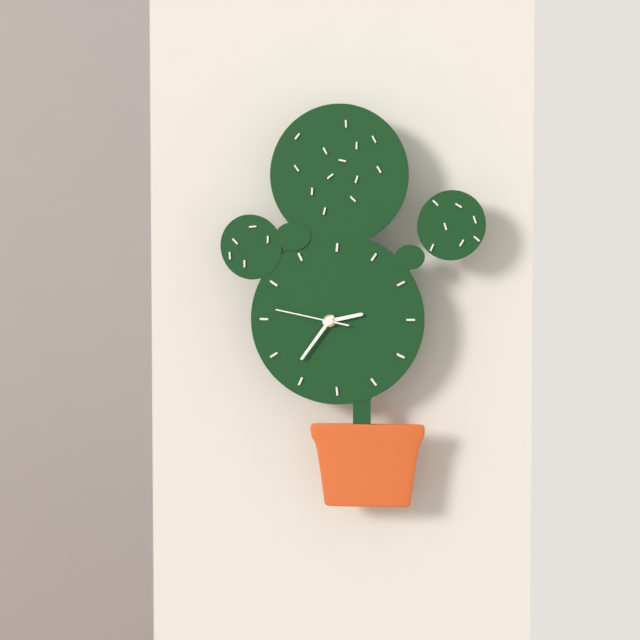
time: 2:36:47
